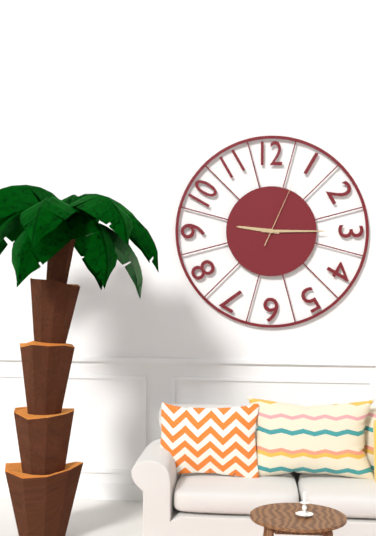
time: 9:15:04
